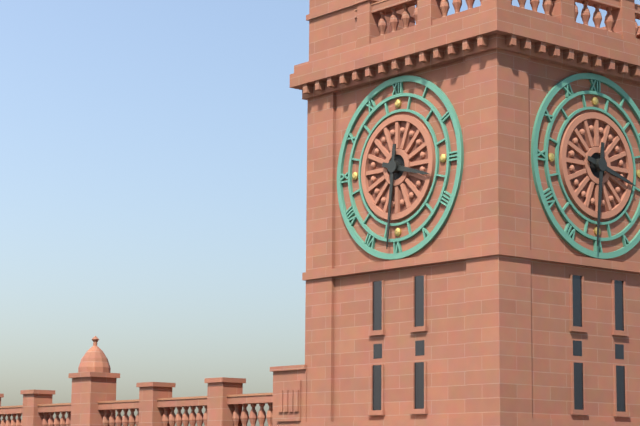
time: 3:31
